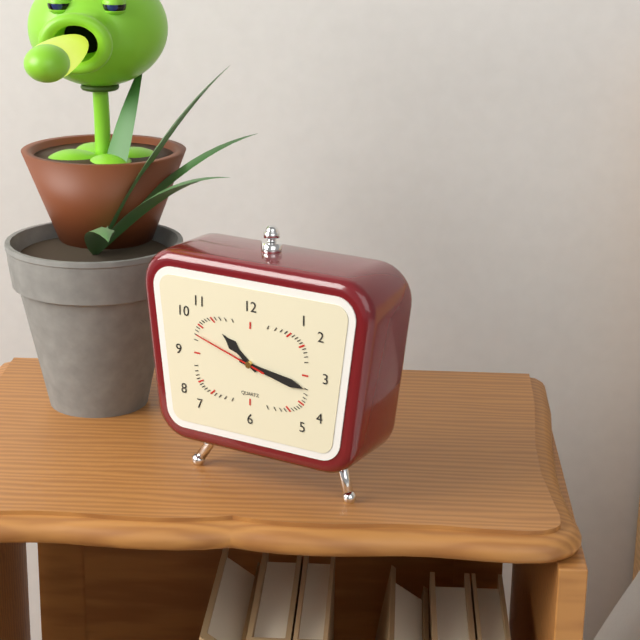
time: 10:17:48
